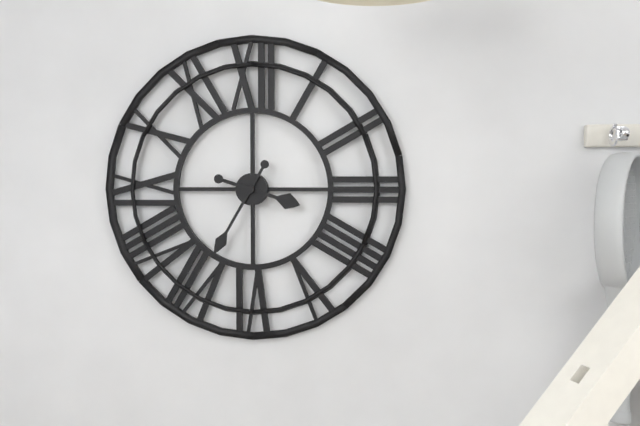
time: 3:35
